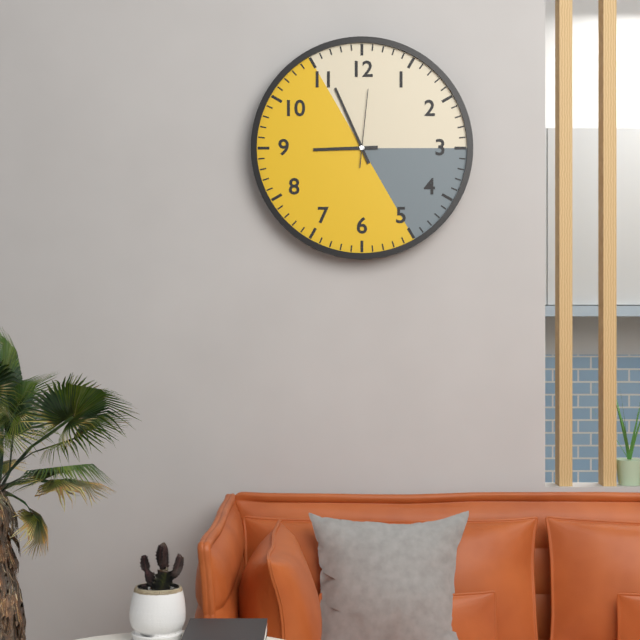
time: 8:56:01
